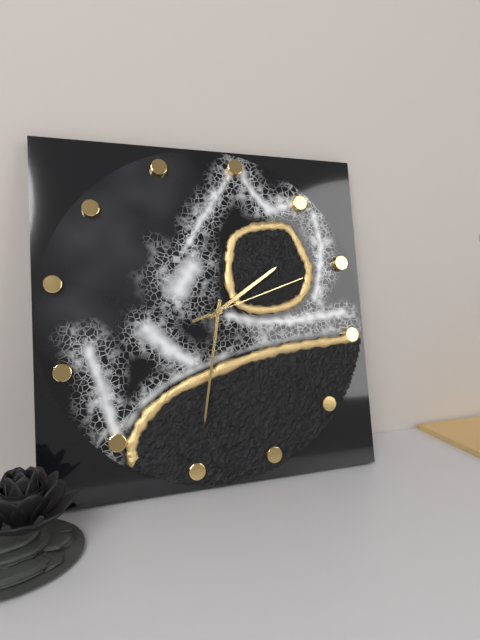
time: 1:30:10
